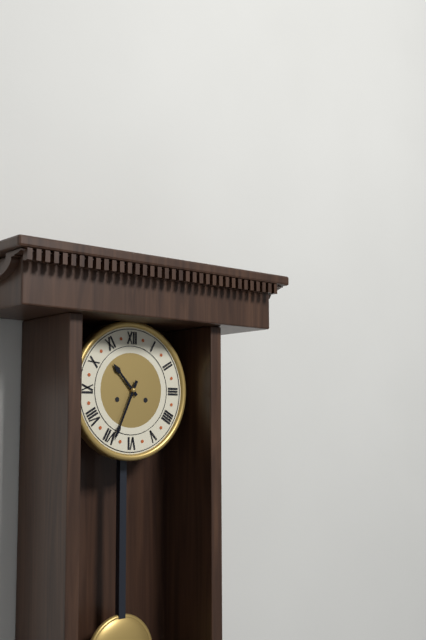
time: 10:34
